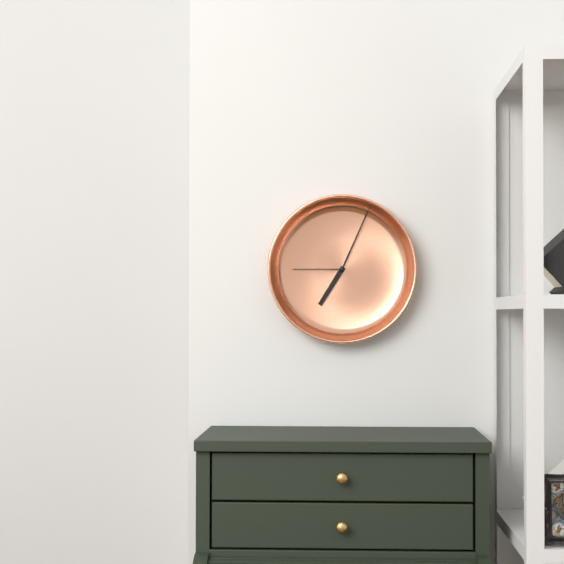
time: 7:04:45
